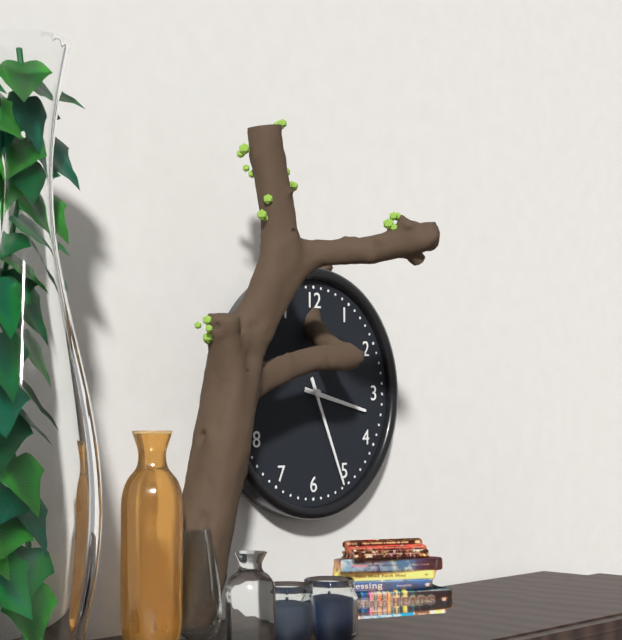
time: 3:26
